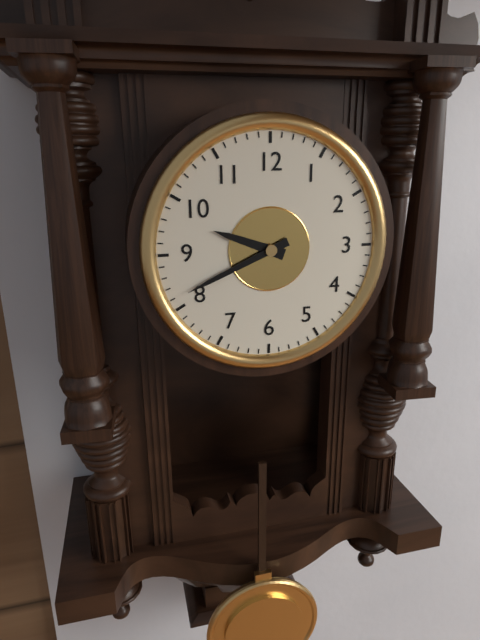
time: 9:41
